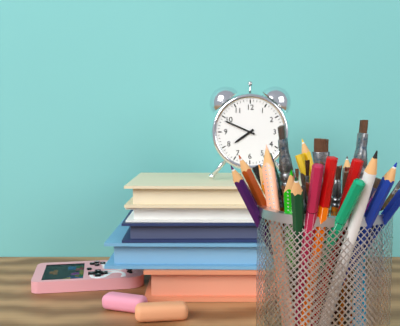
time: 7:49
